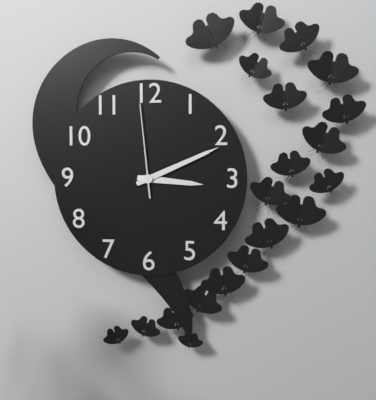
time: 3:11:59
